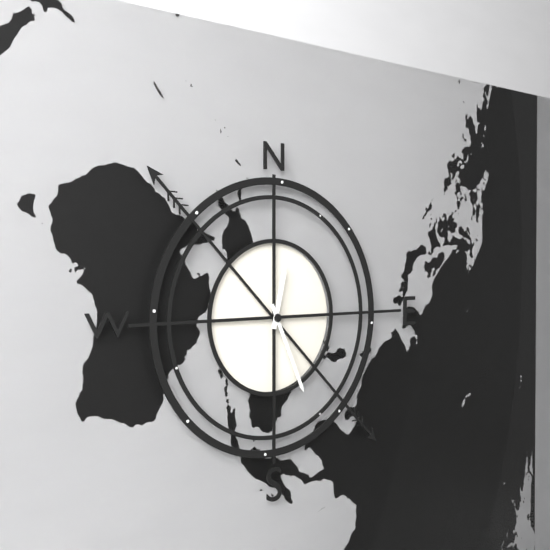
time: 12:26
